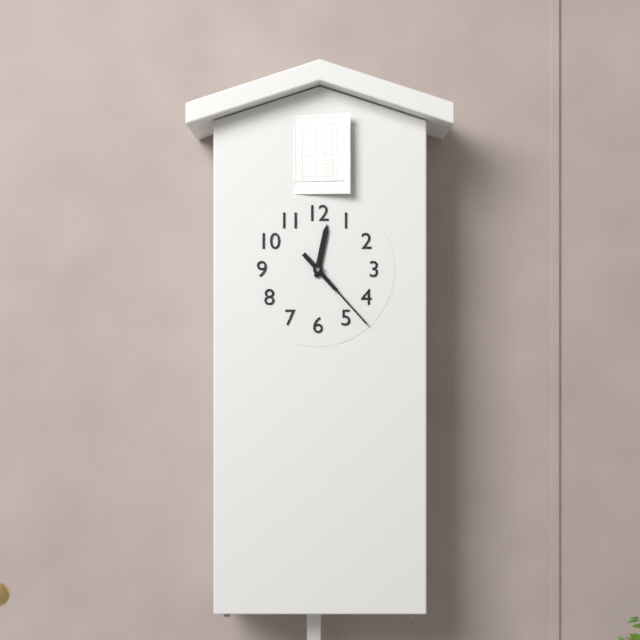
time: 12:23
